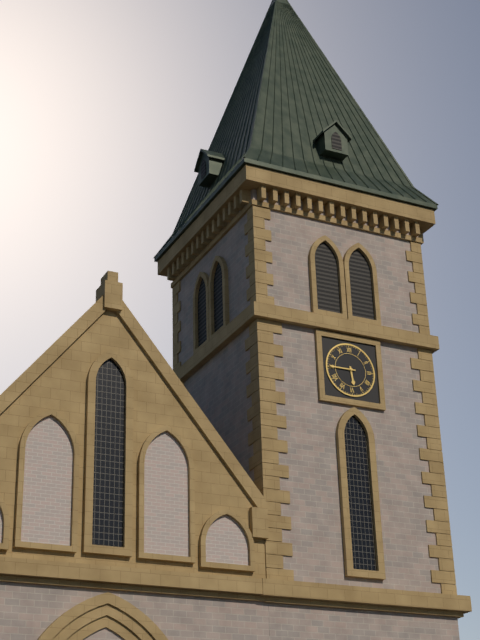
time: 5:45
